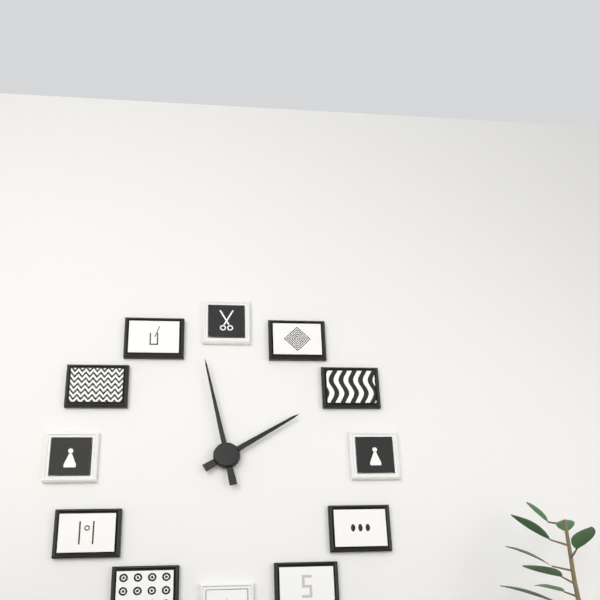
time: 1:58
